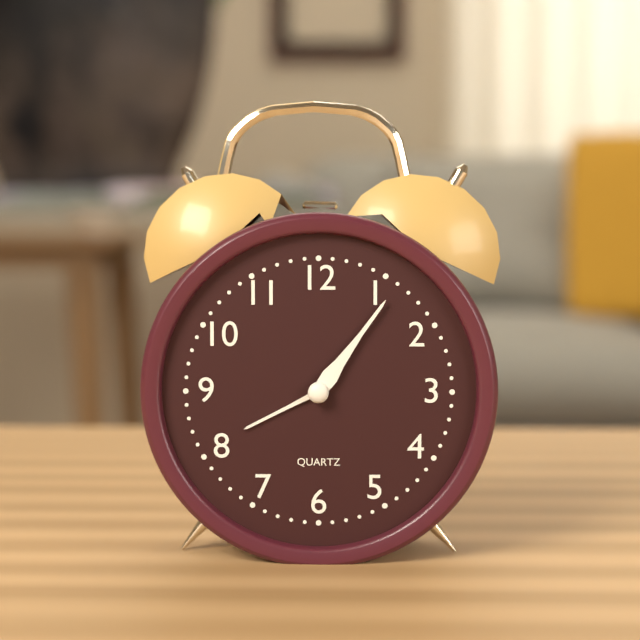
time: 8:06
